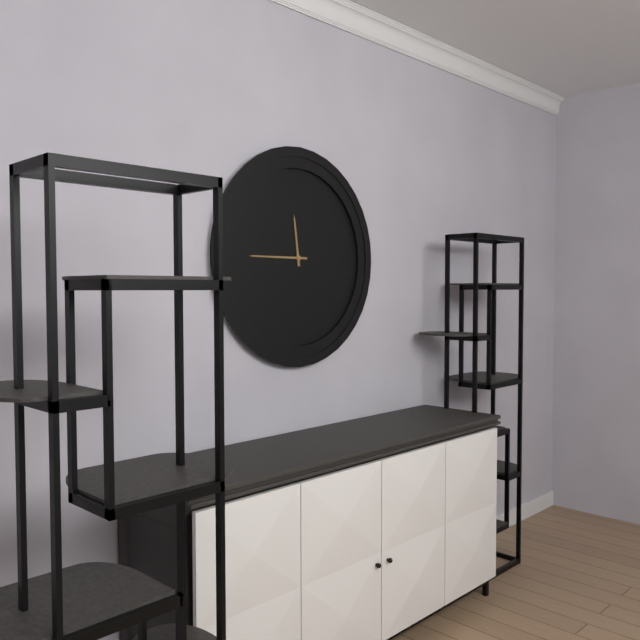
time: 11:45
